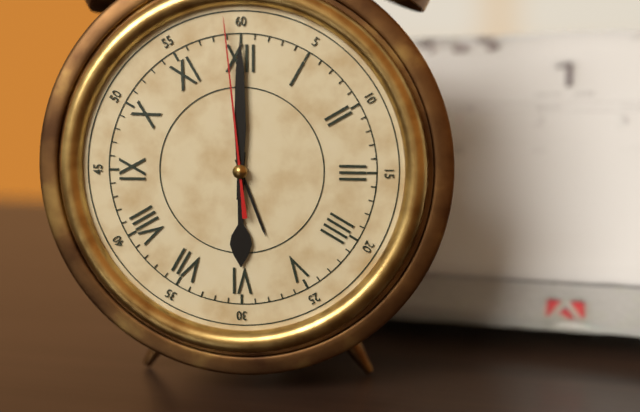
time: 6:00:59
